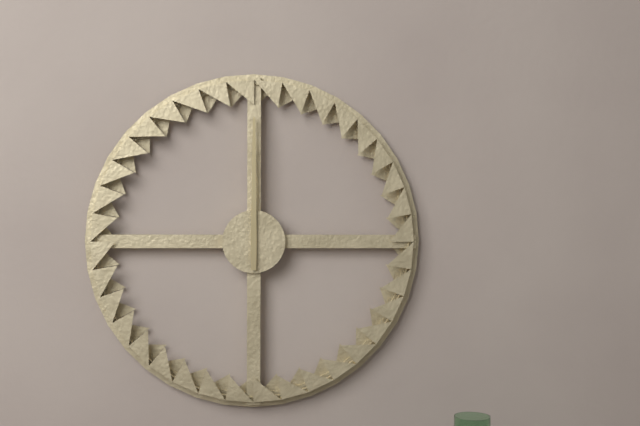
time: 12:00
